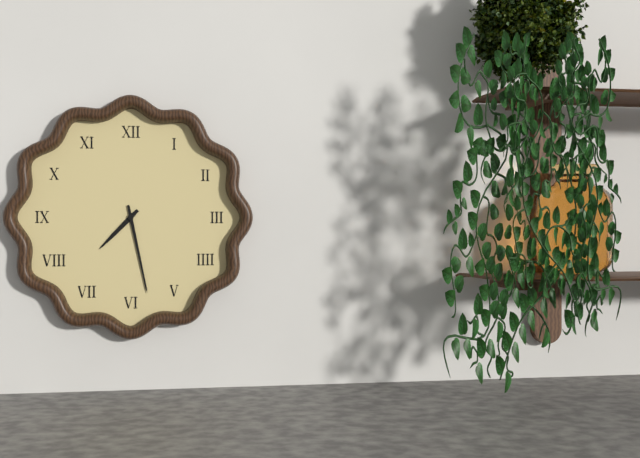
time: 7:28
